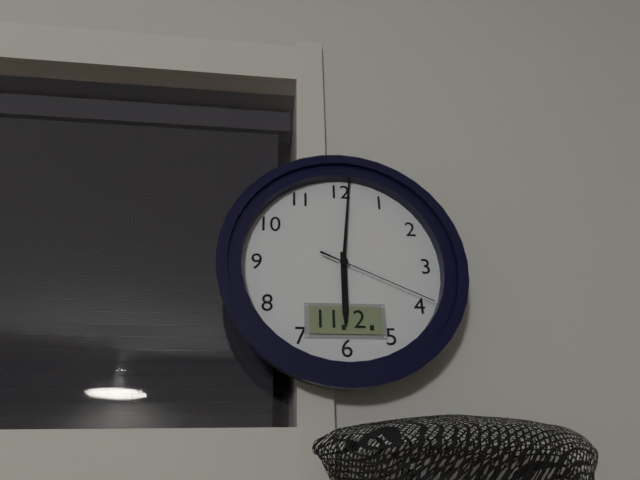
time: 6:01:19
